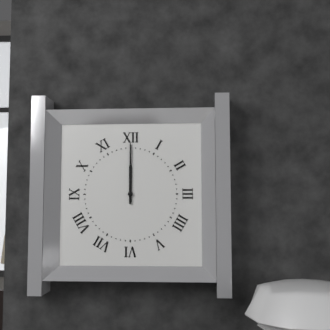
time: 12:00
